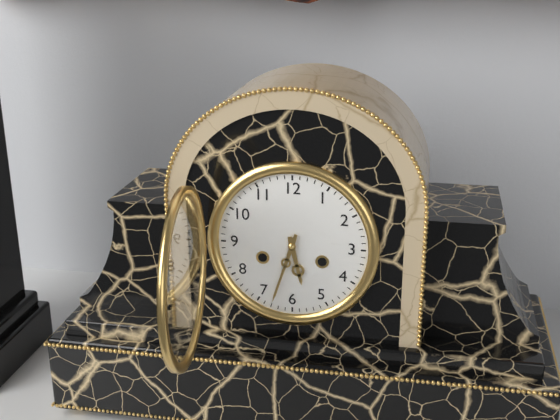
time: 5:33
